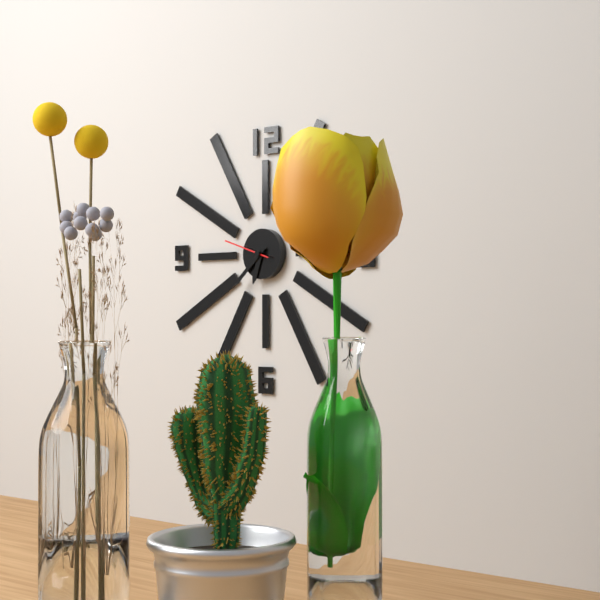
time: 6:38:48
